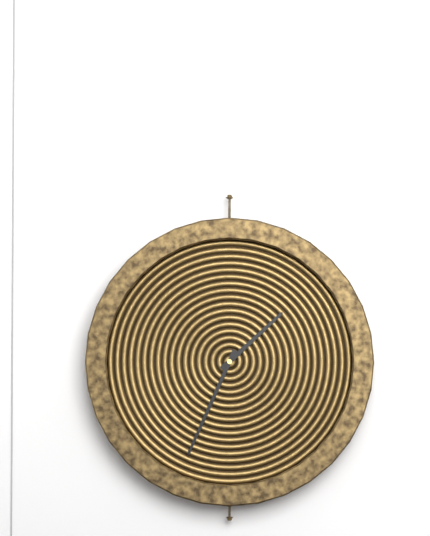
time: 1:34
